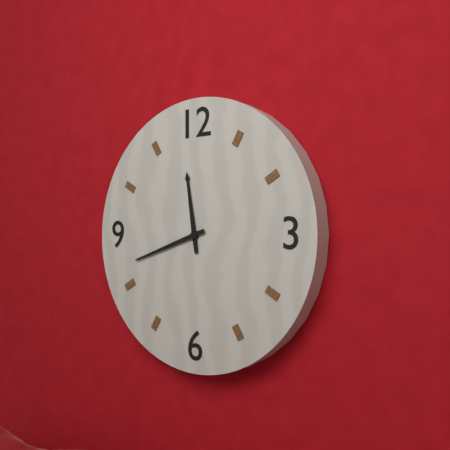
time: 11:42
